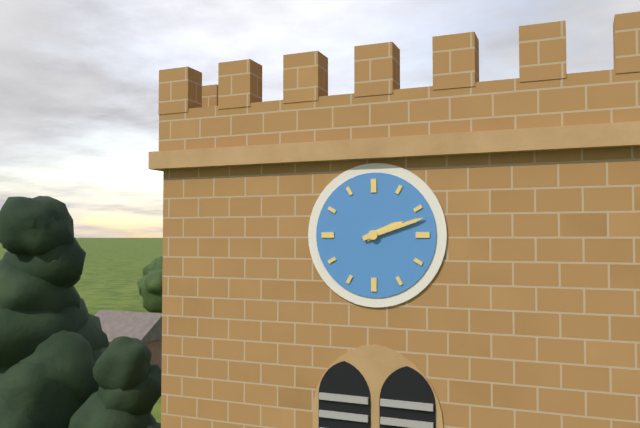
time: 2:12
